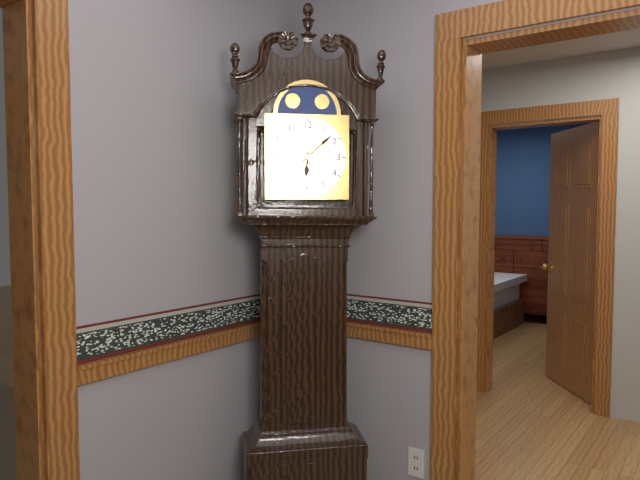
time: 6:08
